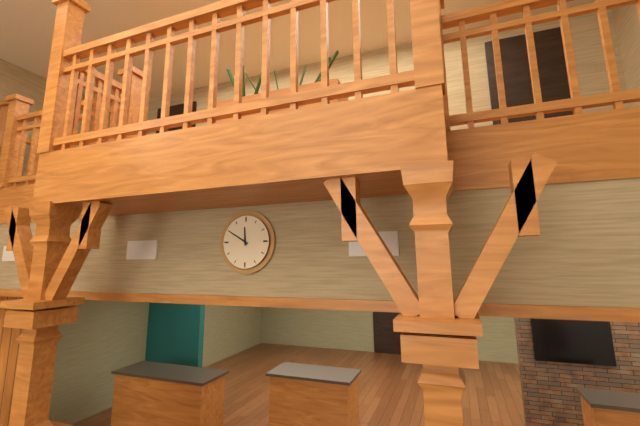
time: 11:50
